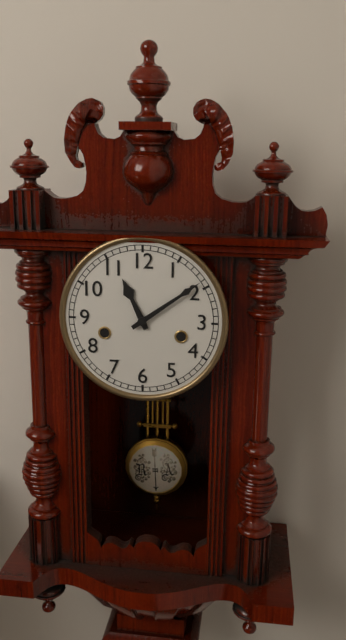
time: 11:09
